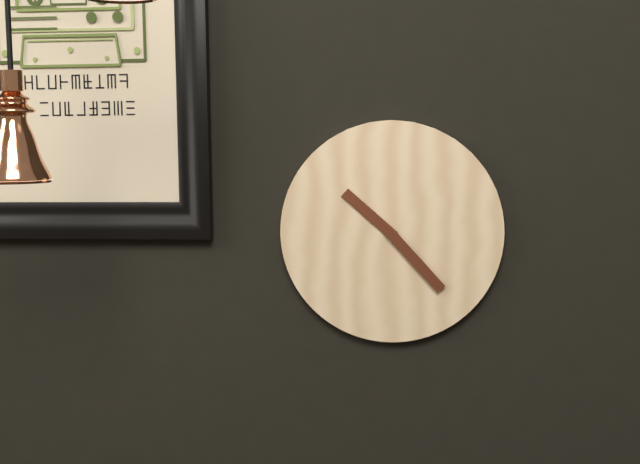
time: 10:23
